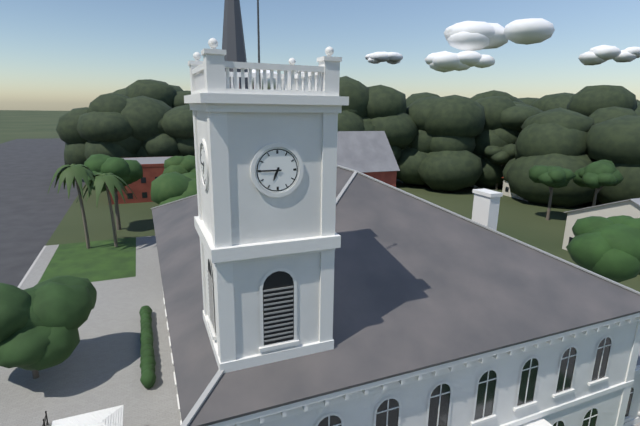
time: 6:45
